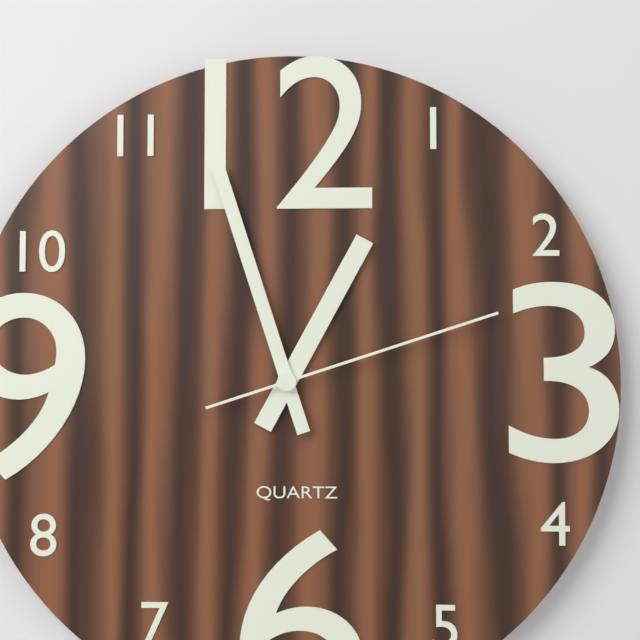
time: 12:57:12
